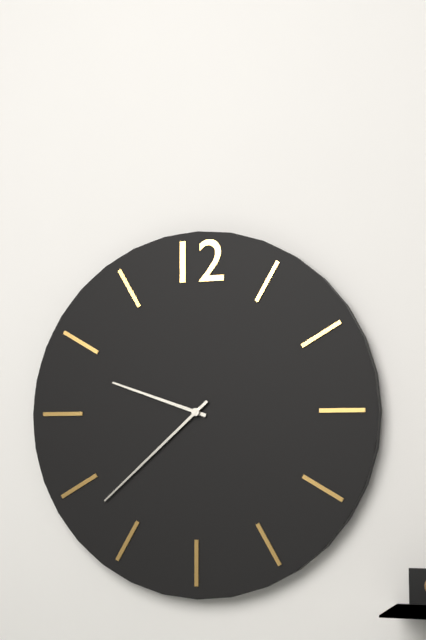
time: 9:38
